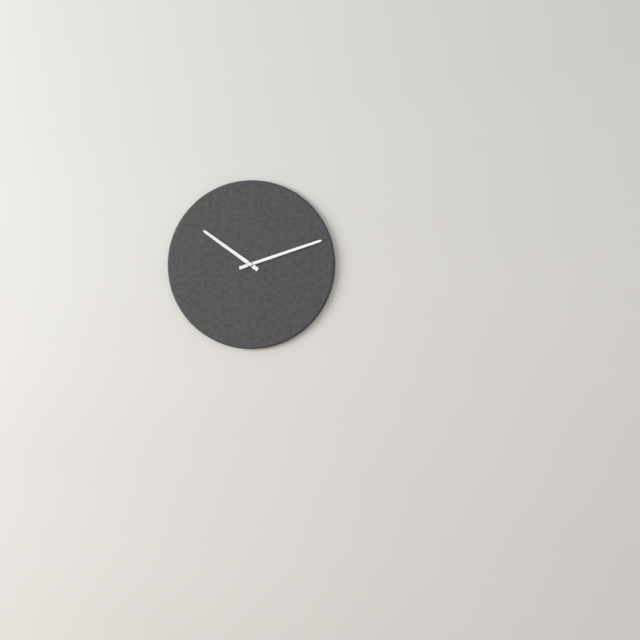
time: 10:12
